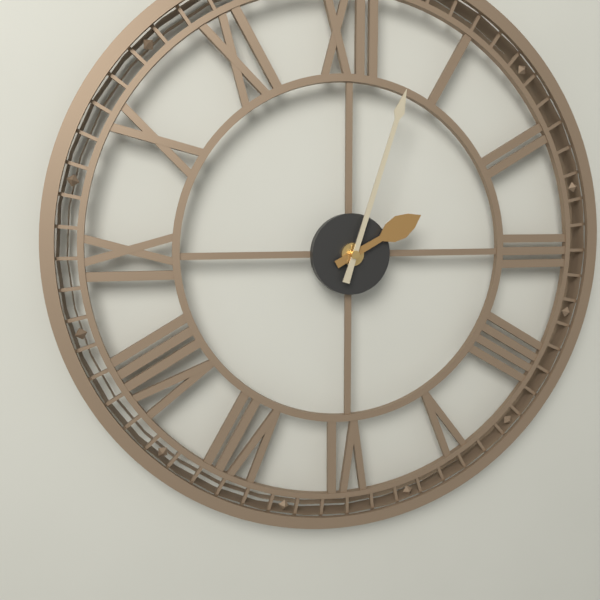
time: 2:03
